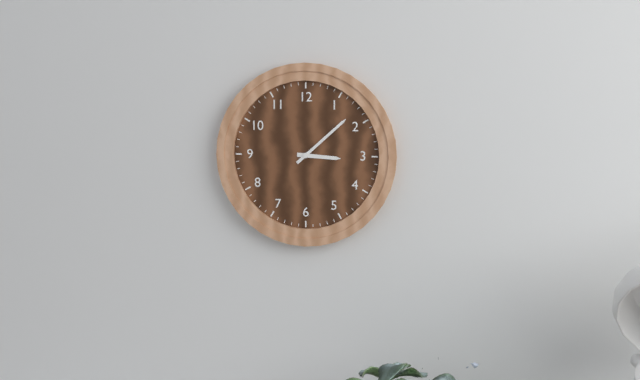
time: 3:08
